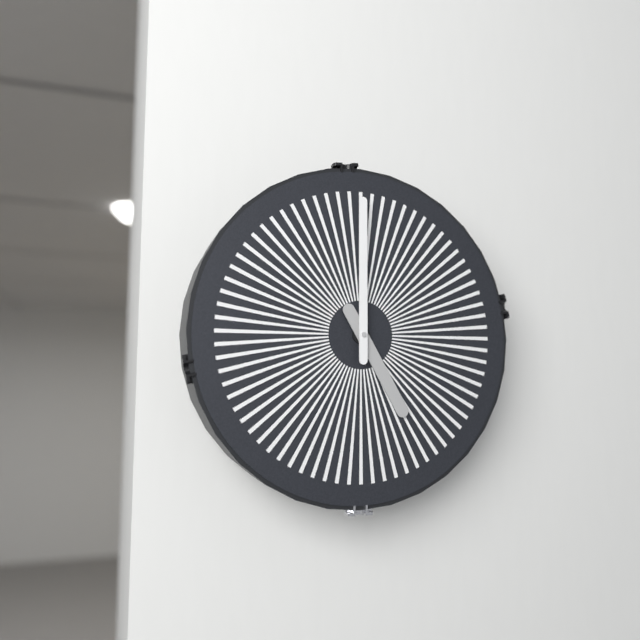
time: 5:00
